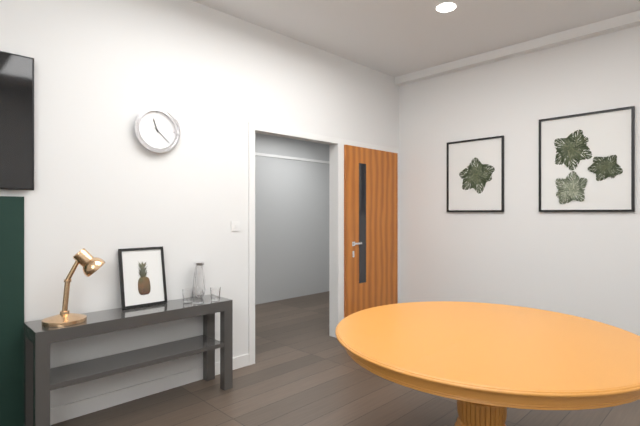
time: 11:22
